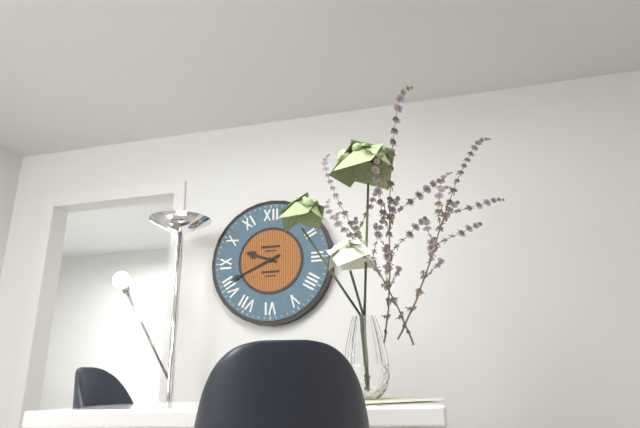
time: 9:41
